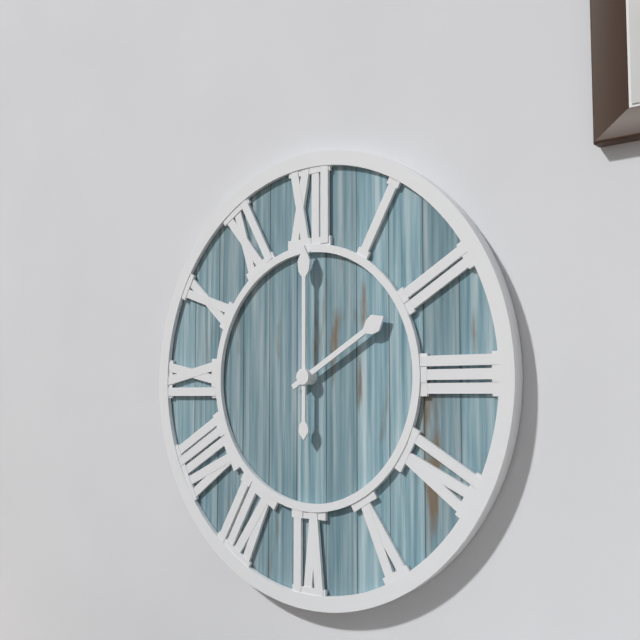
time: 2:00
